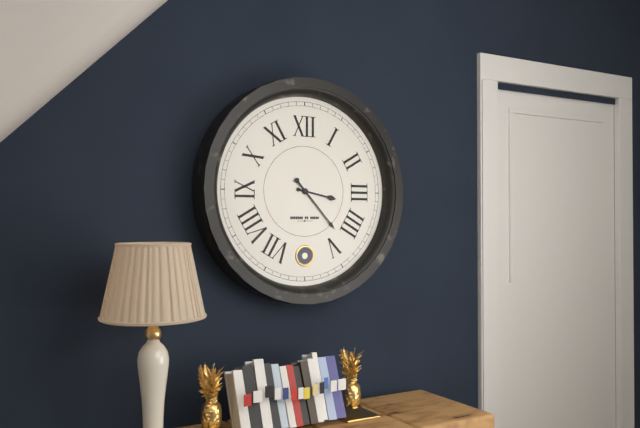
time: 3:23
